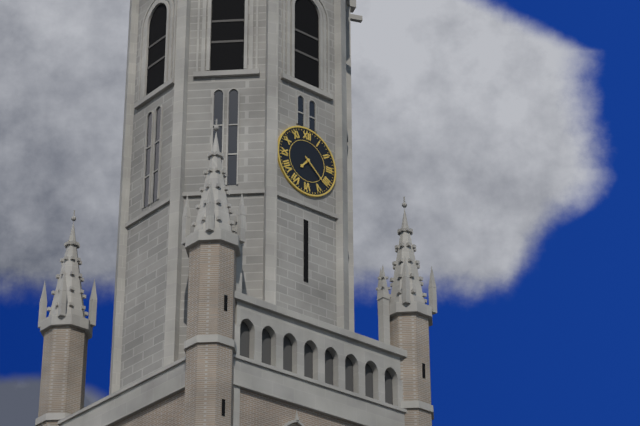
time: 7:22
